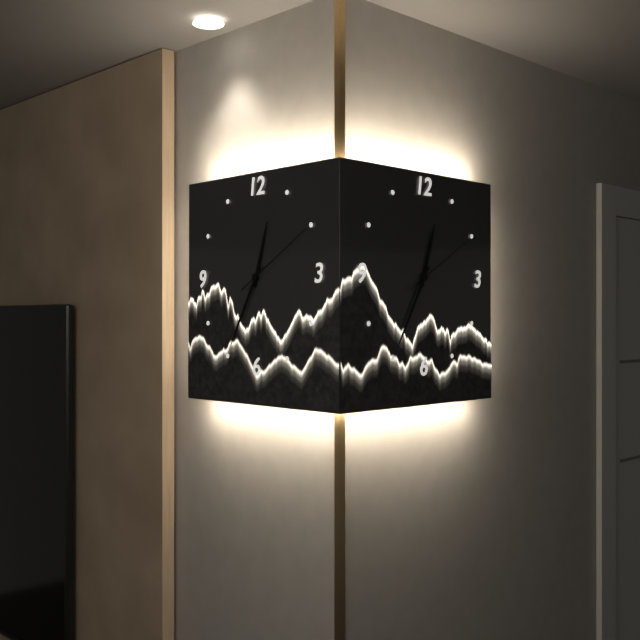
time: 12:35:10
